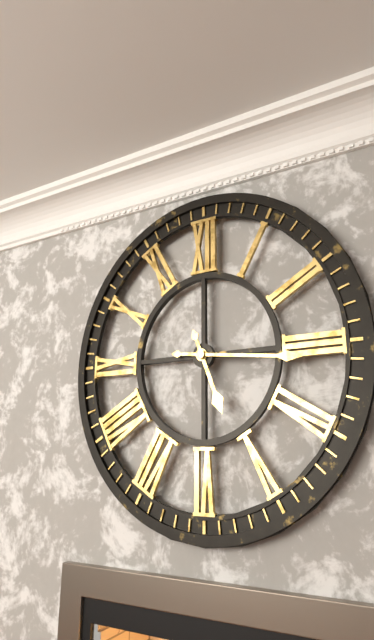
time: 5:16
